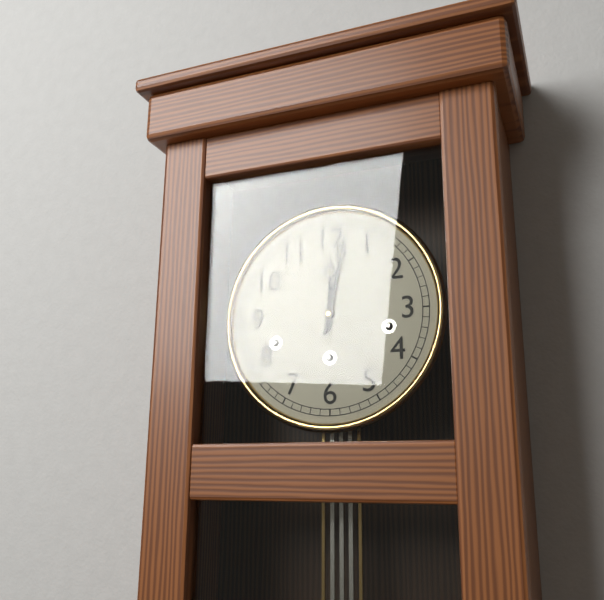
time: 12:02
